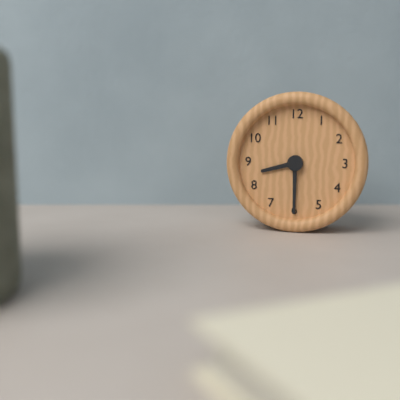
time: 8:30
